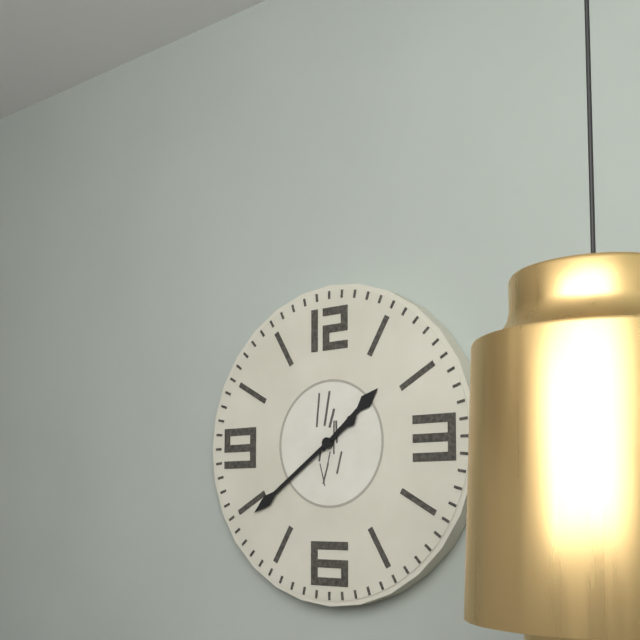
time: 1:39
